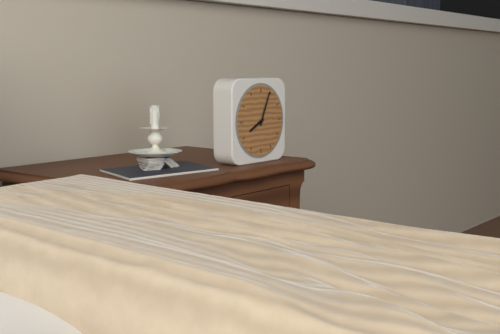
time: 8:04
